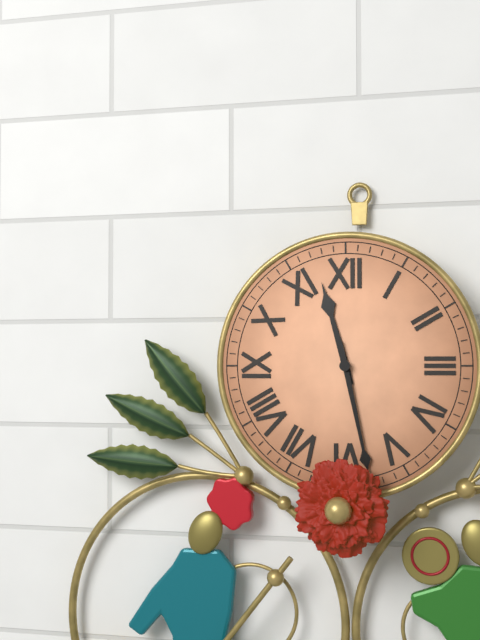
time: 11:28
